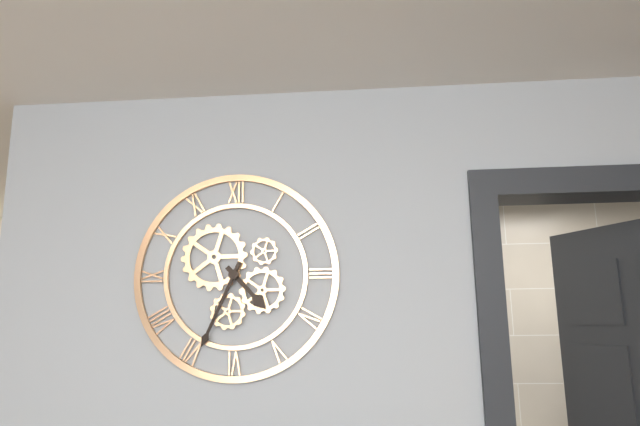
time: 4:34
